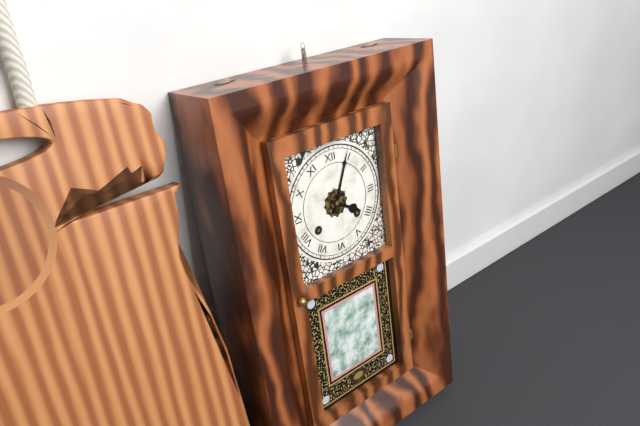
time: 4:04
